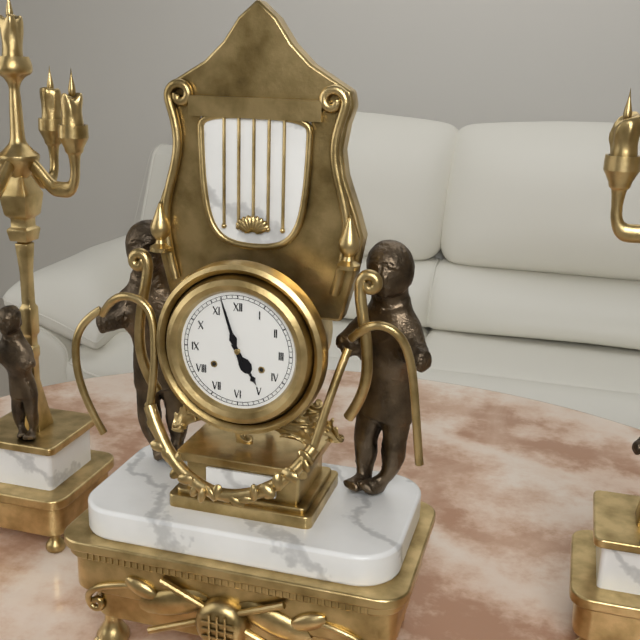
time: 4:57
